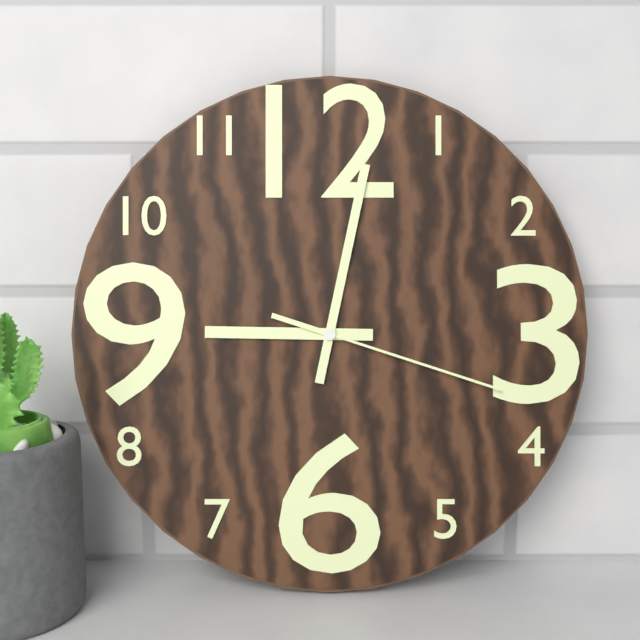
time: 9:02:18
